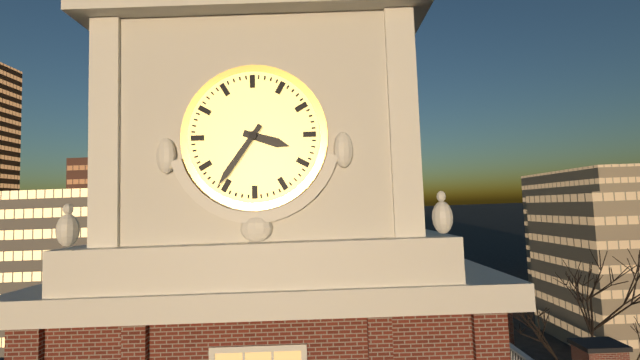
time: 3:36
